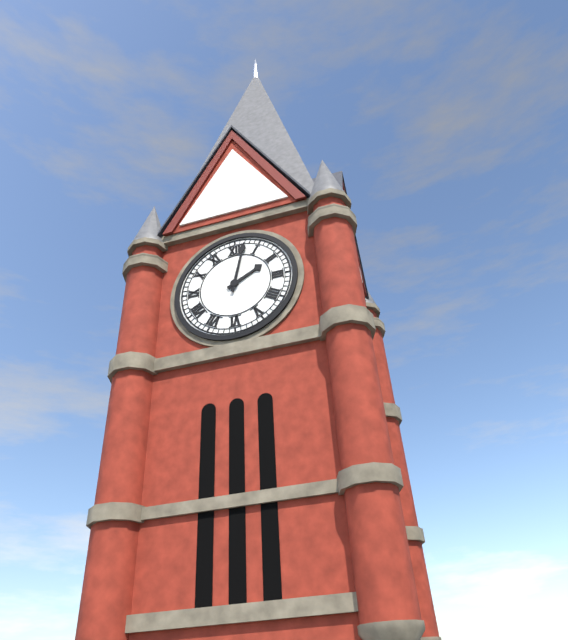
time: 2:02
